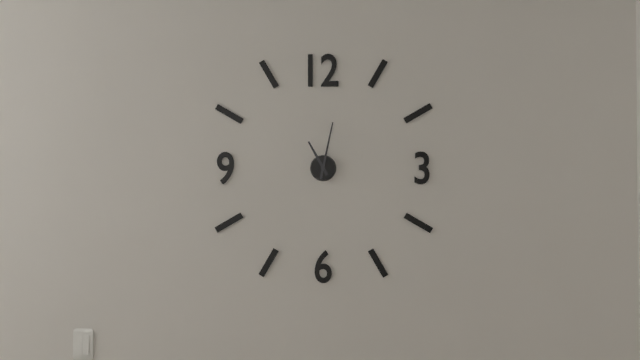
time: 11:02
